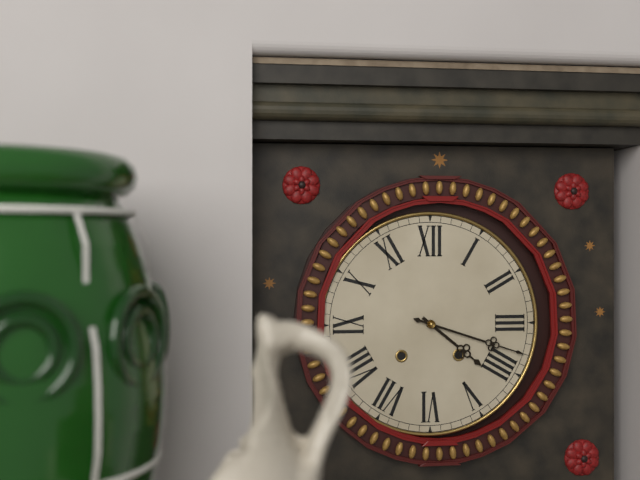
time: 4:18
